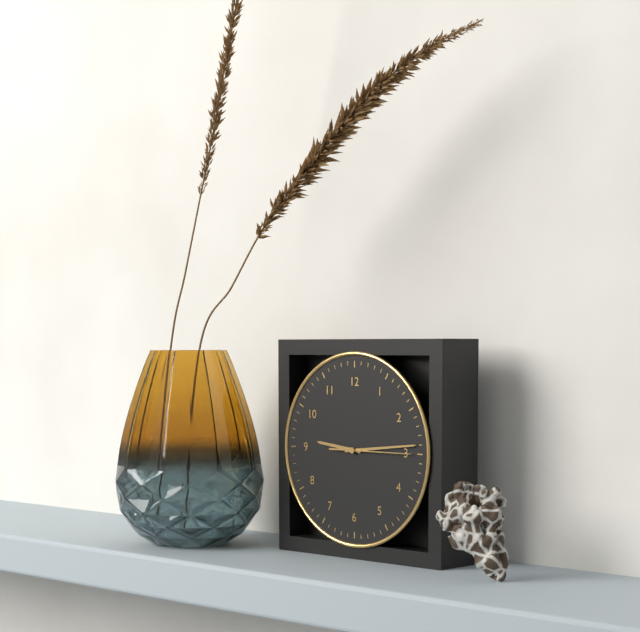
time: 9:14:15
